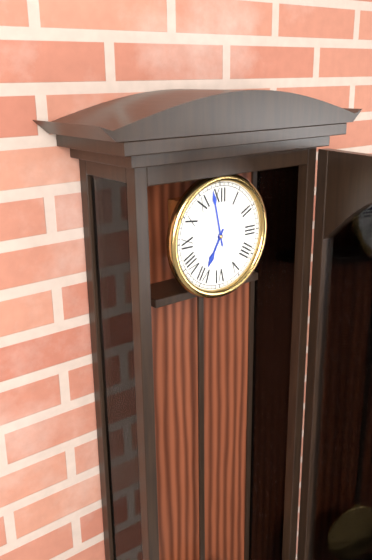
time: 6:58
